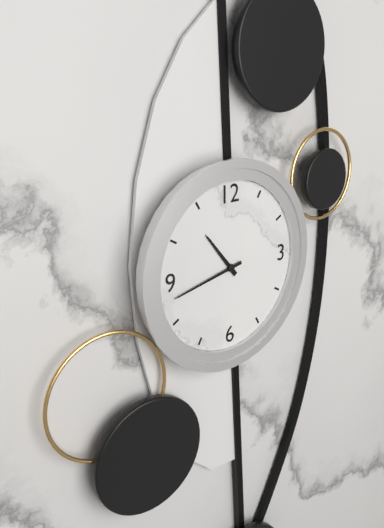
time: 10:43
